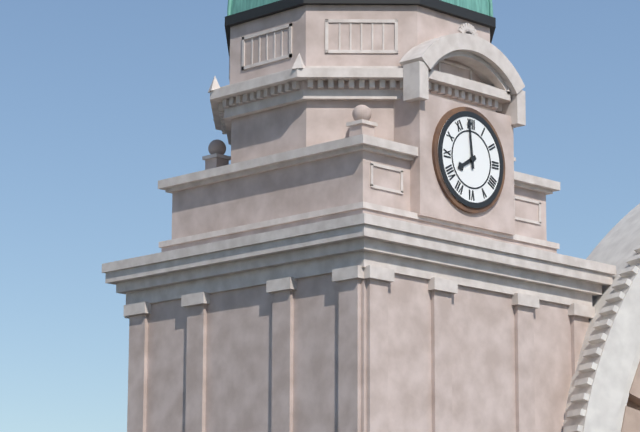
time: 7:59
